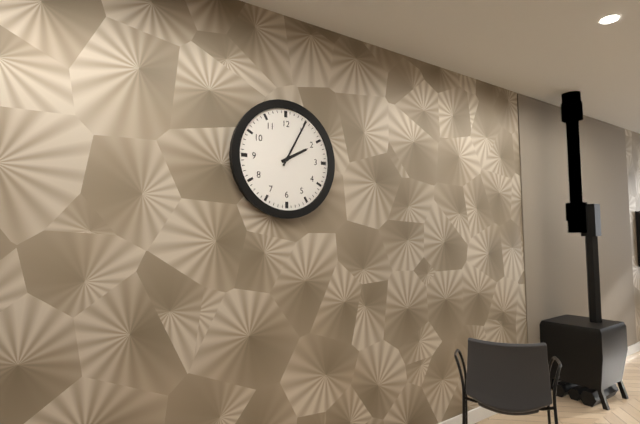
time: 2:05
